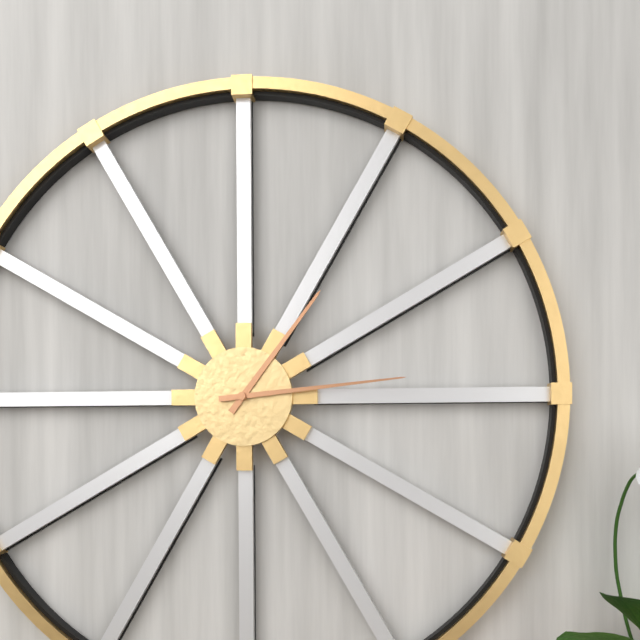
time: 1:14
